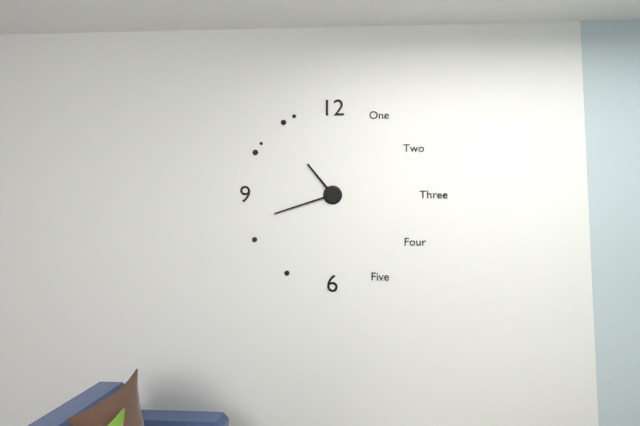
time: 10:42
